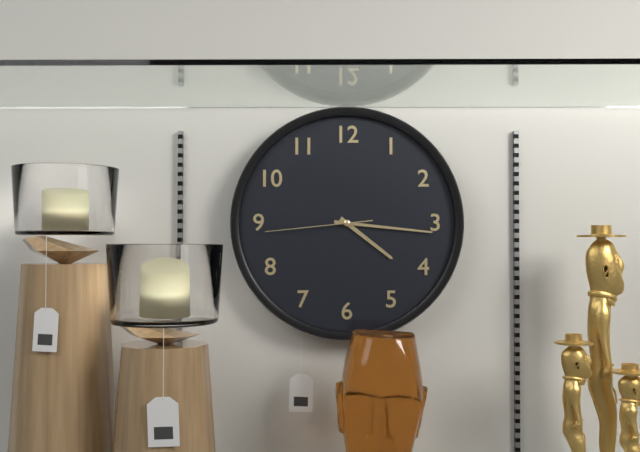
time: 4:16:44
